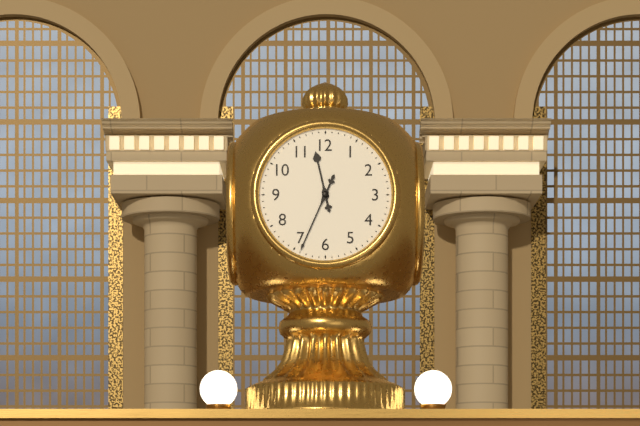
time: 11:34
